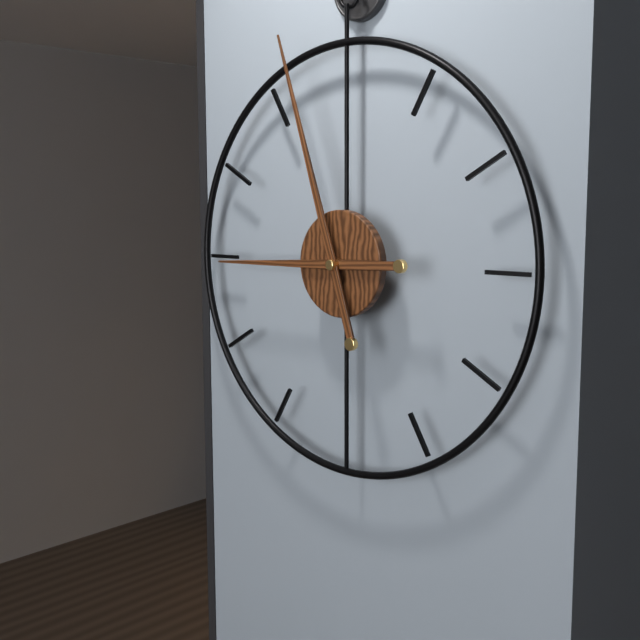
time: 8:57
